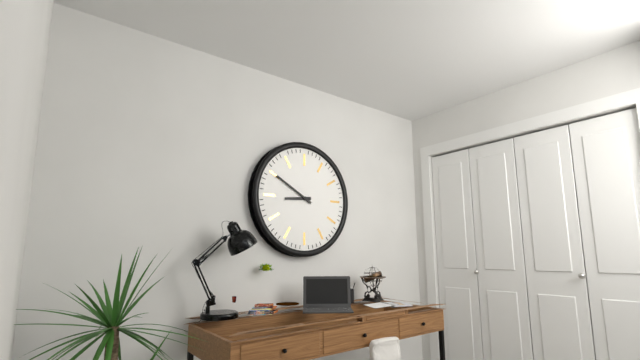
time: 8:50
